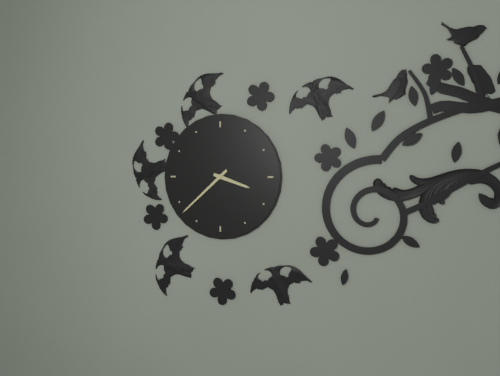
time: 3:38
